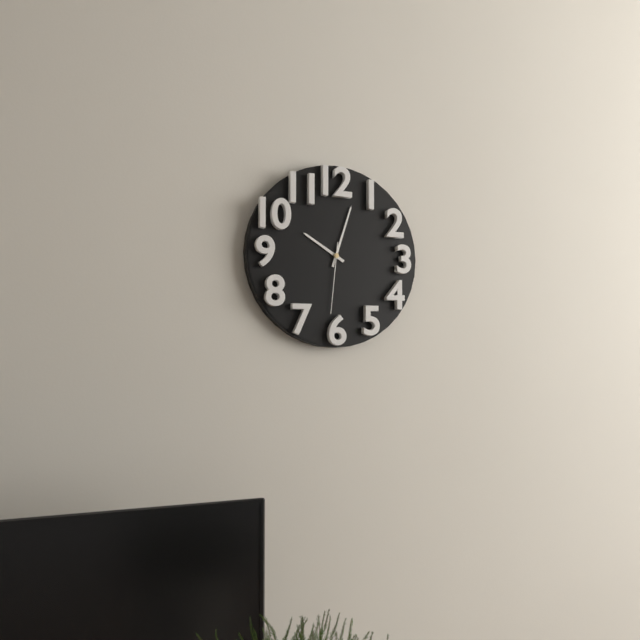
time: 10:03:31
